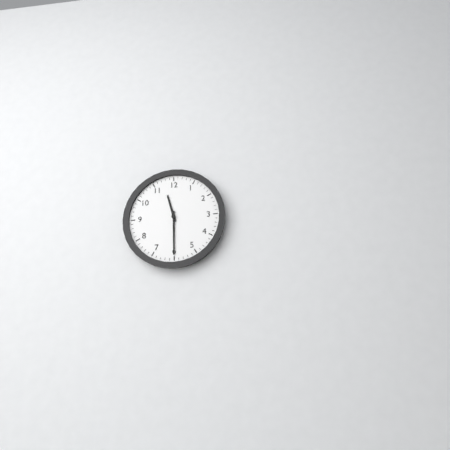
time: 11:30
